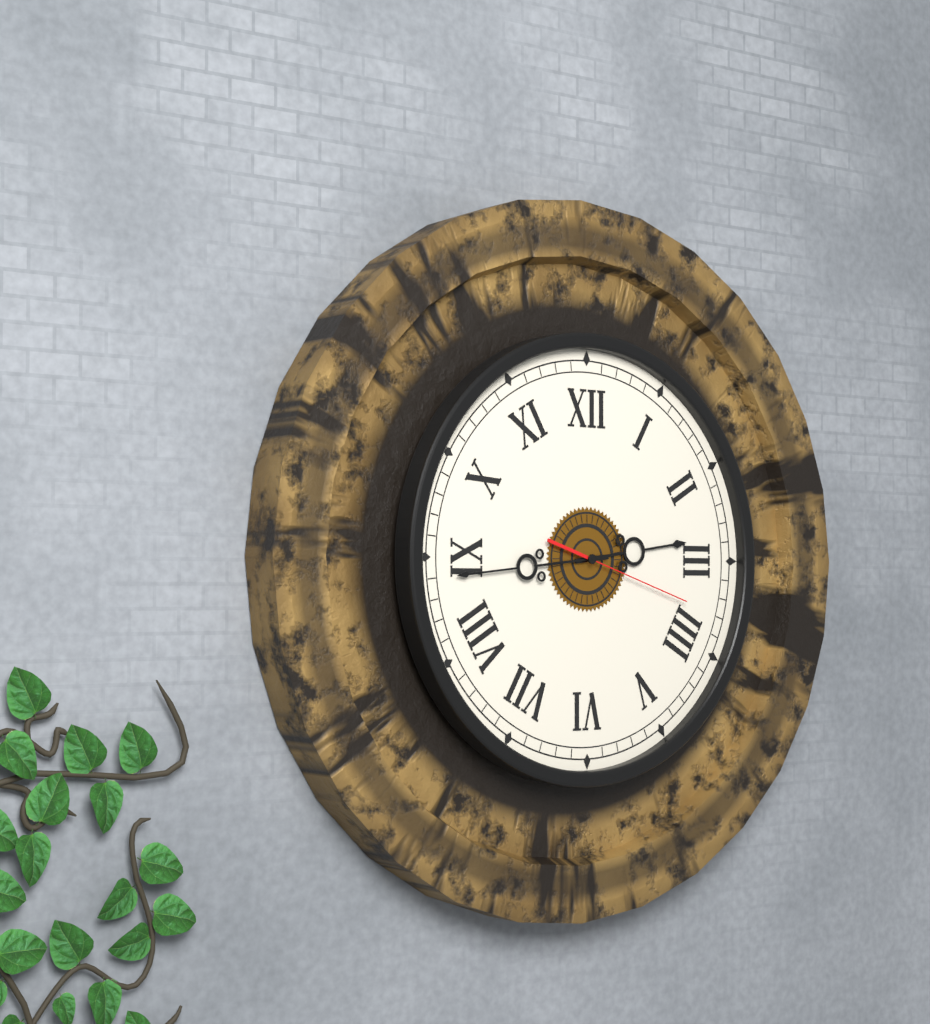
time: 2:44:18
